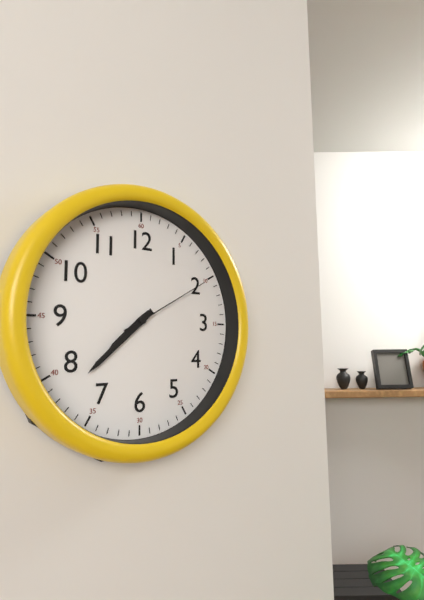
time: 7:38:10
